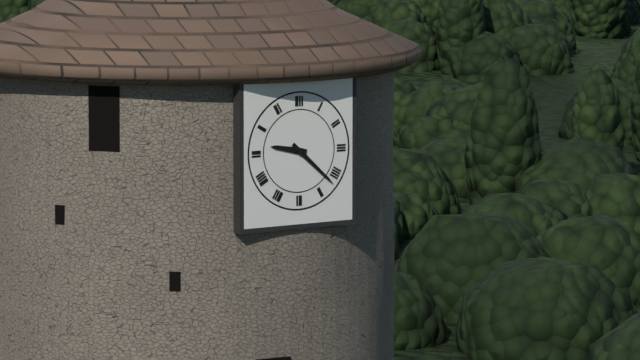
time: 9:22
